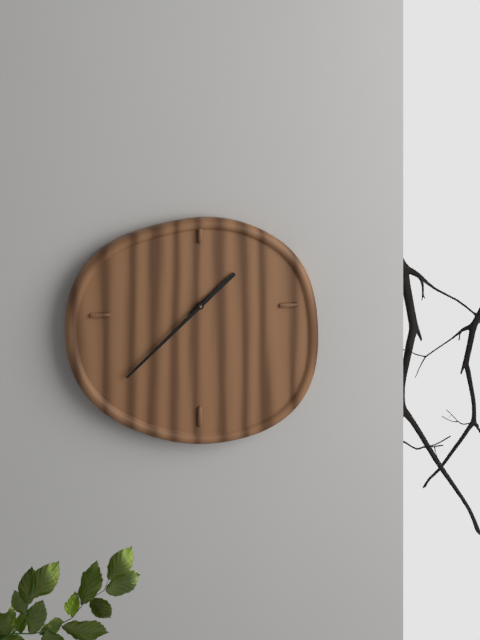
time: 1:38
